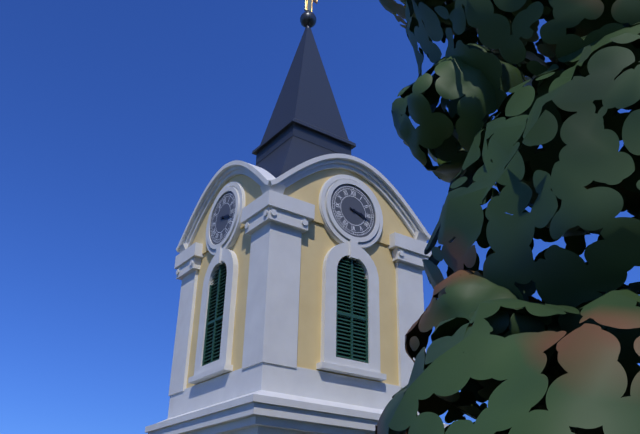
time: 3:18
